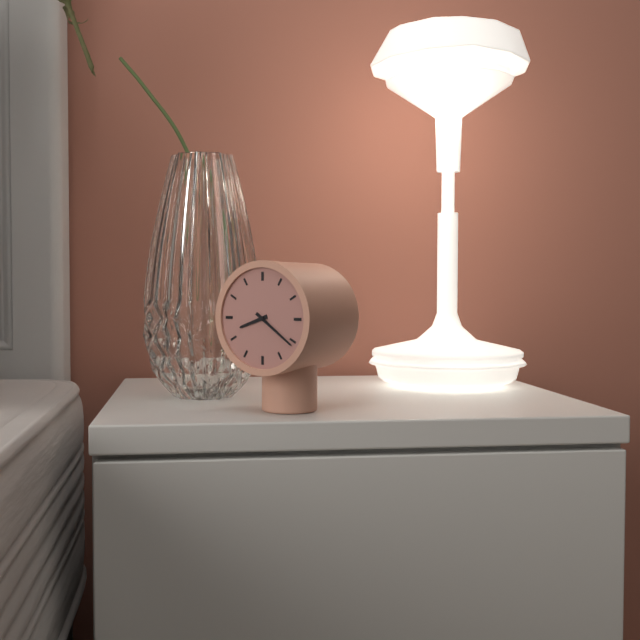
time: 8:21
